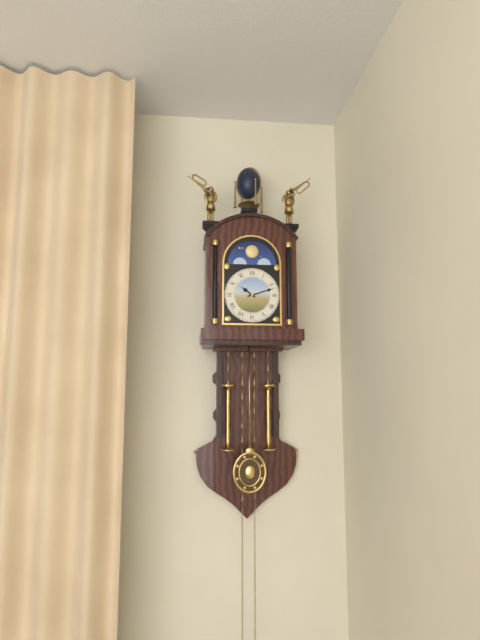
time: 10:12
